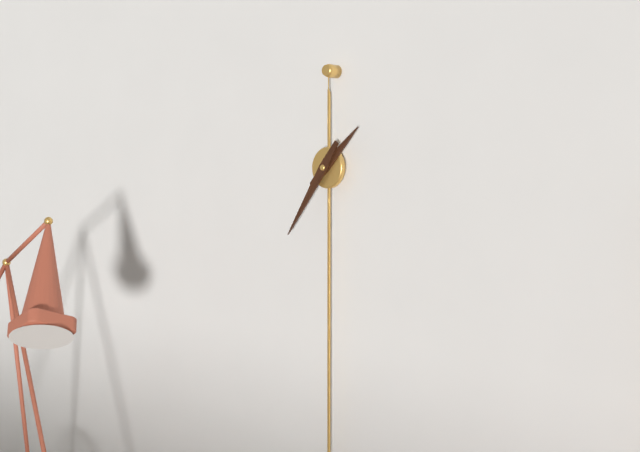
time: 1:36
